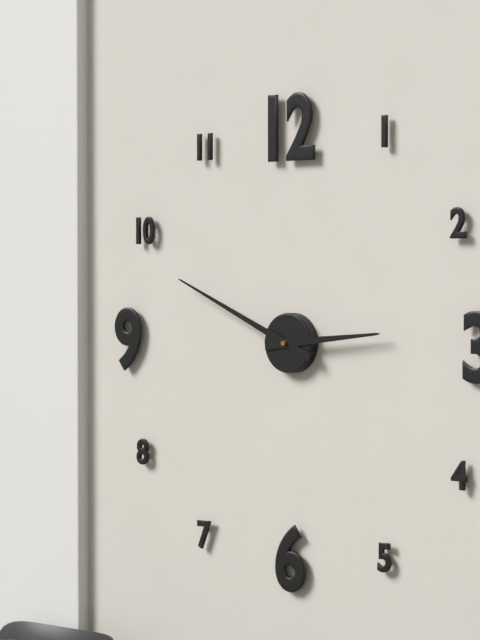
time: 2:49
